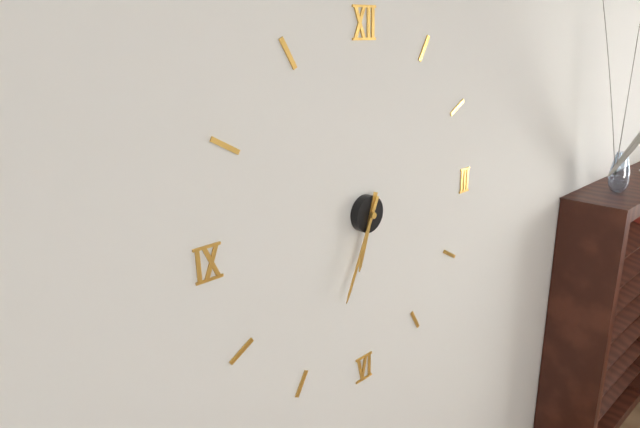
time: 6:34
